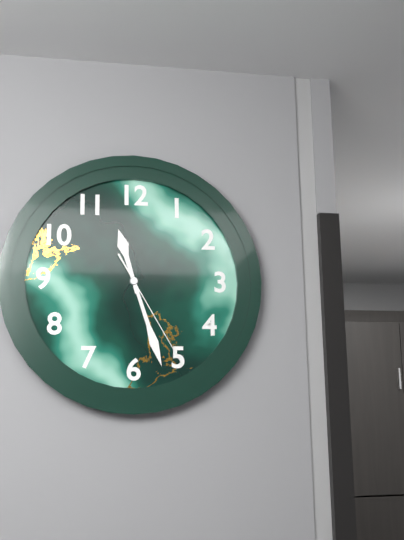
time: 11:27:25
